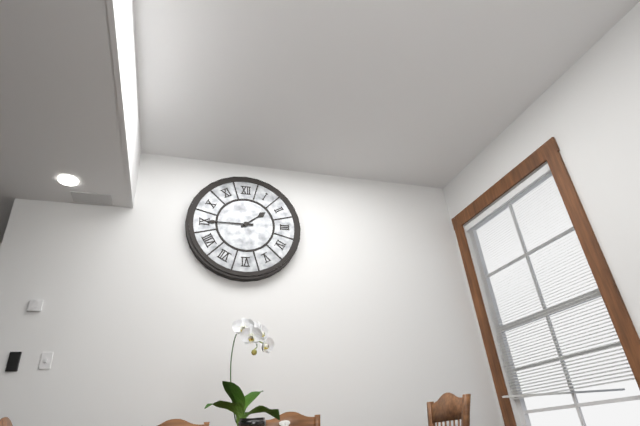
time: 1:45
